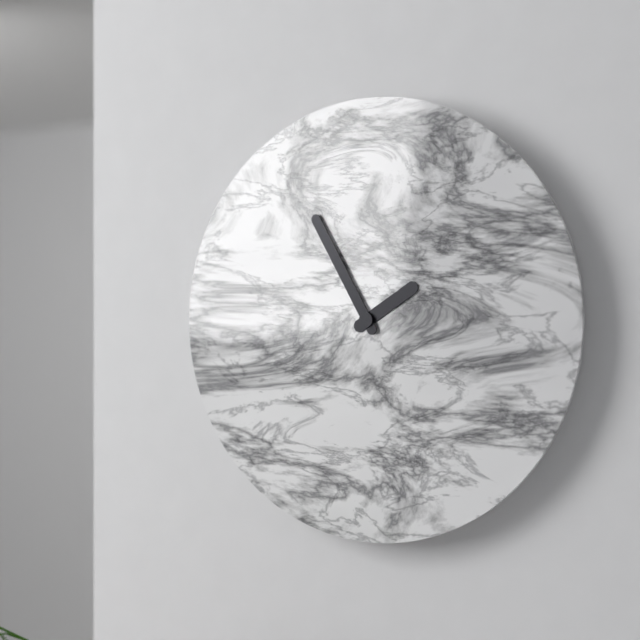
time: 1:55
